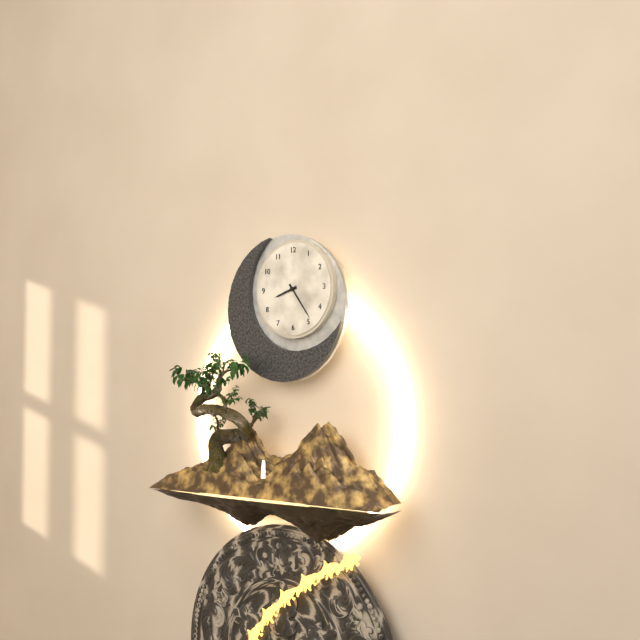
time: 8:24
